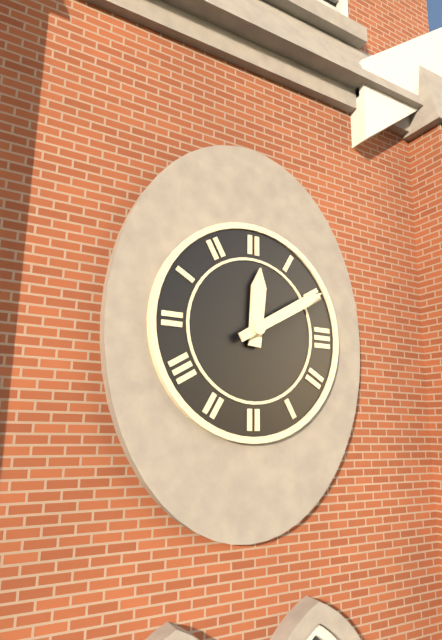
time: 12:10
